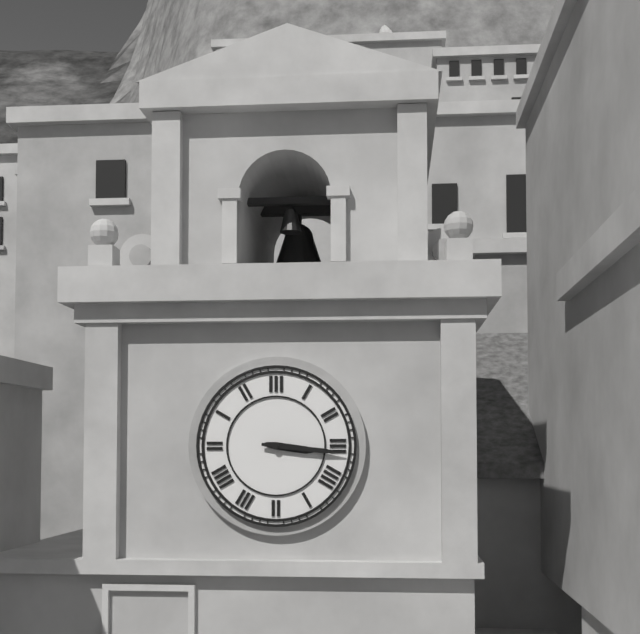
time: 3:16
